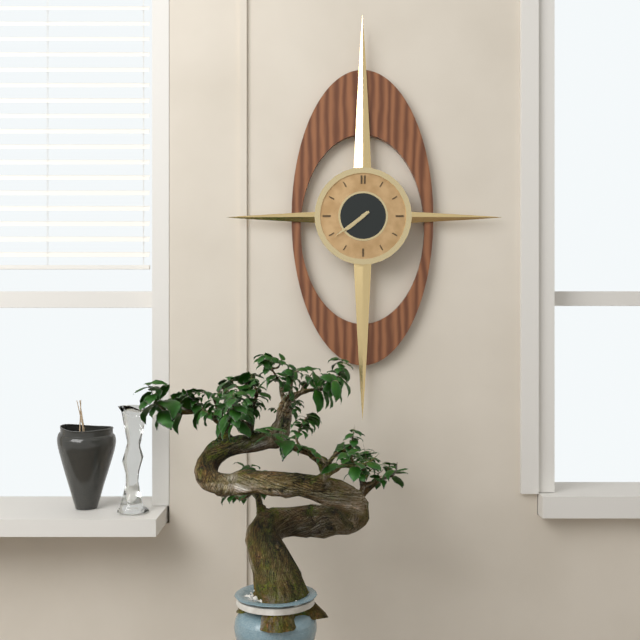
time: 7:39
